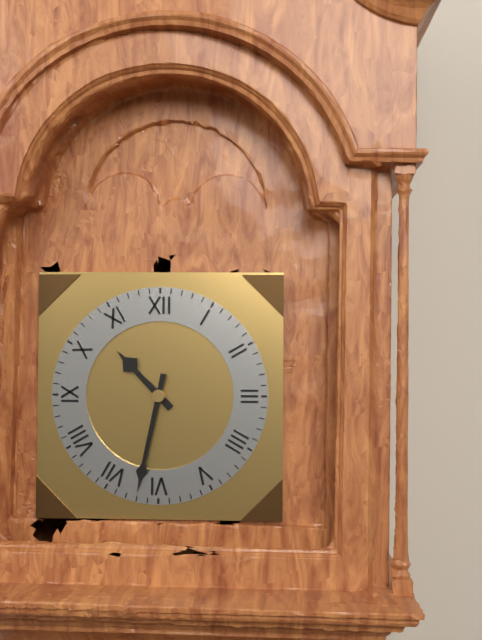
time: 10:32
